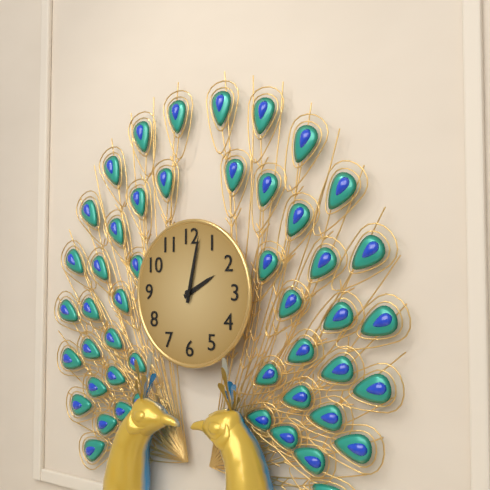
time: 2:02
